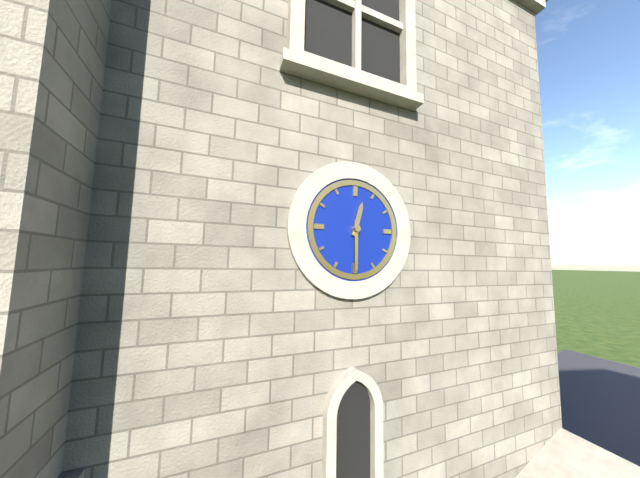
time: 12:30
